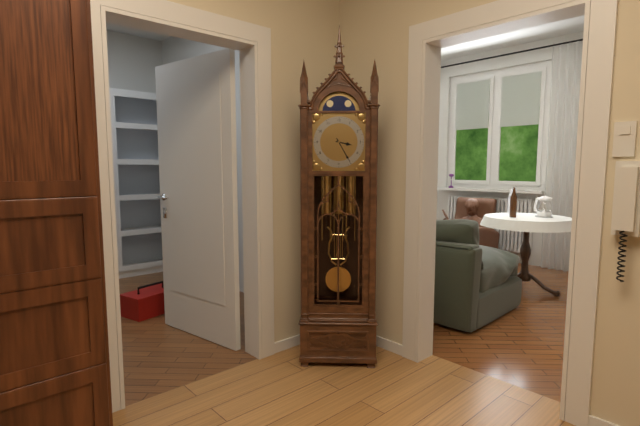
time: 3:25
